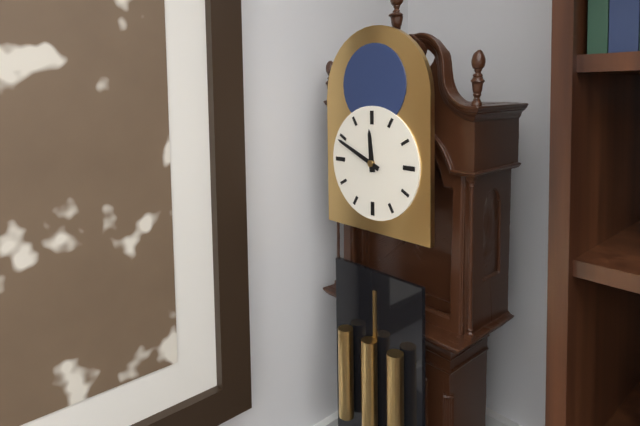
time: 11:49
